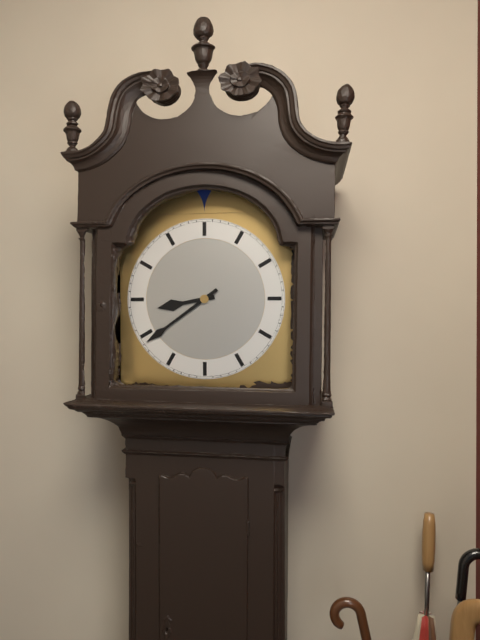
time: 8:39
